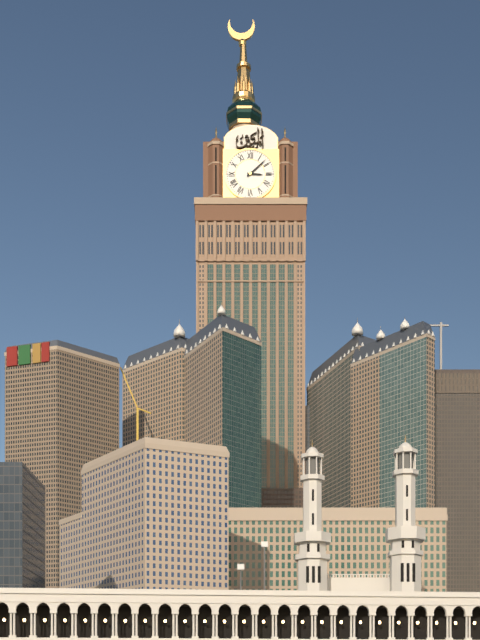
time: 3:08
